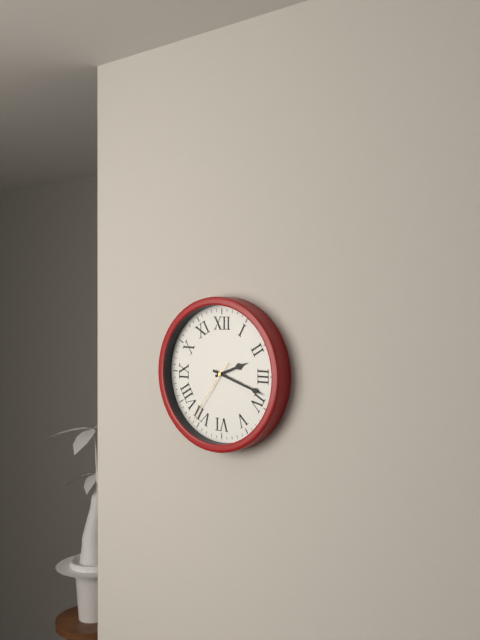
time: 2:18:36
